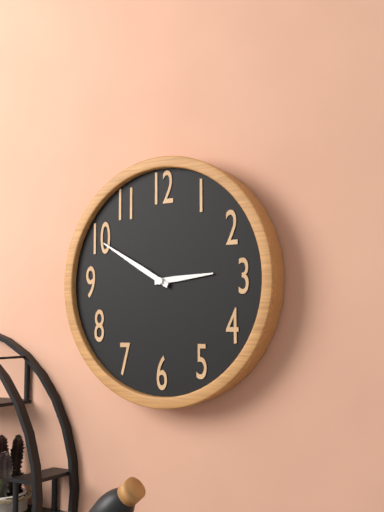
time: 2:50
